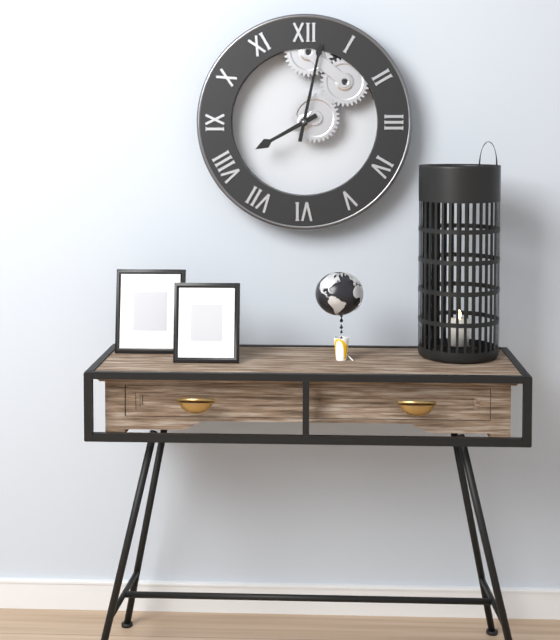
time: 8:02
